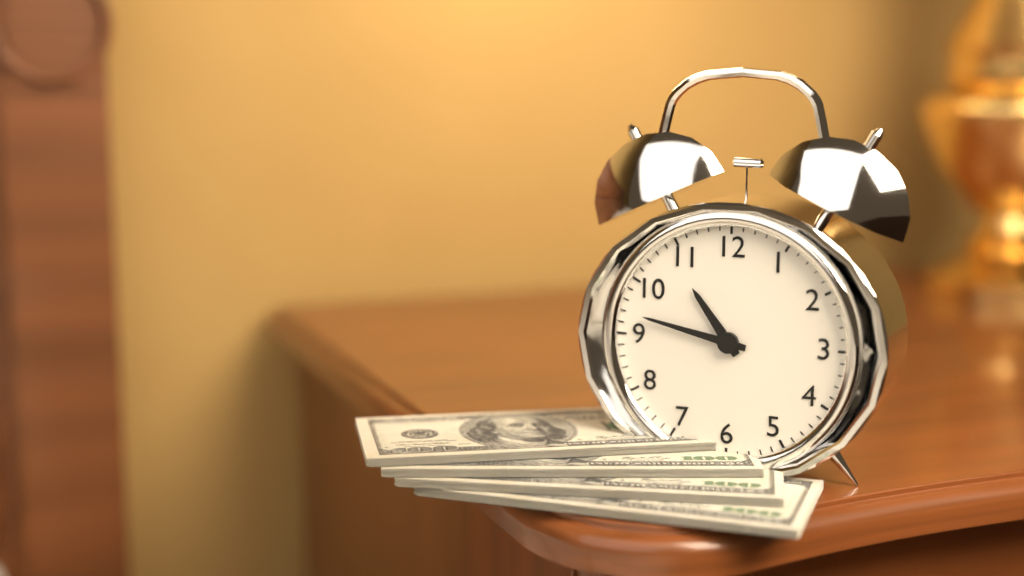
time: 10:47
